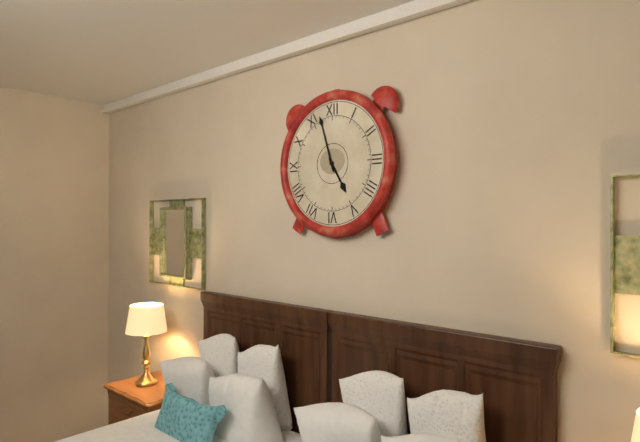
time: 4:57
